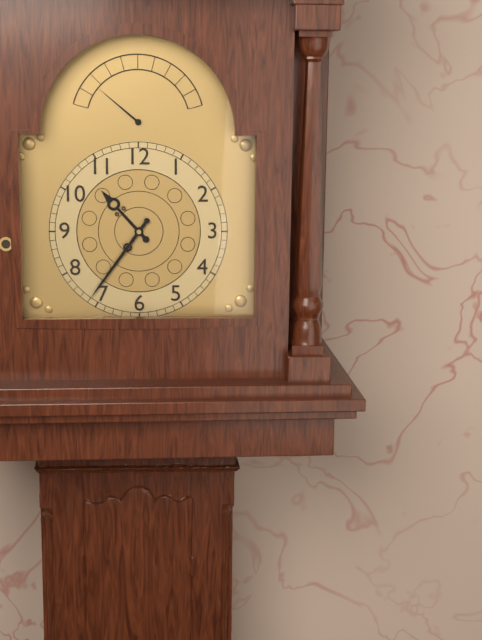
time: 10:36
